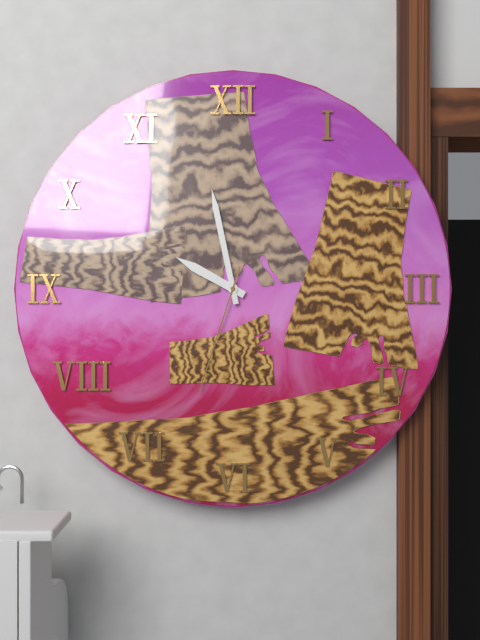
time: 9:58:33
